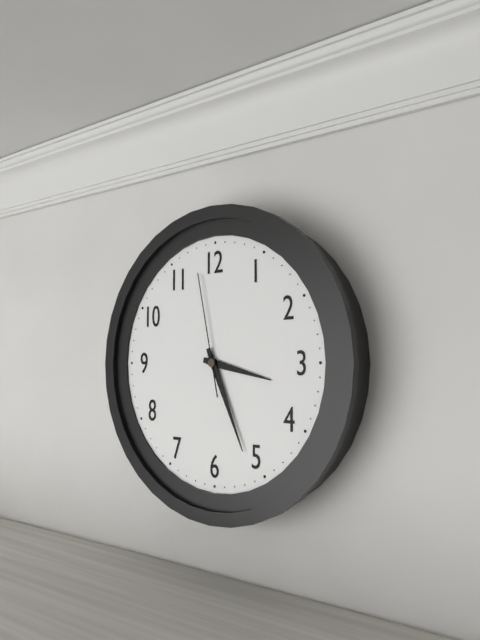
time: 3:26:58
